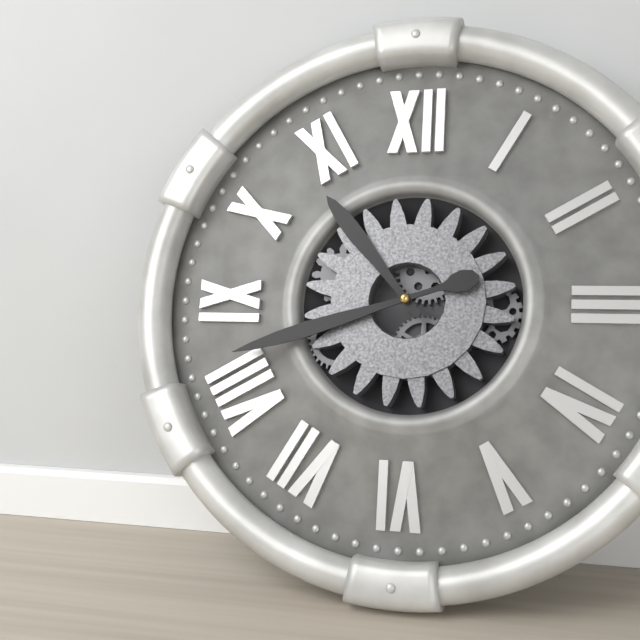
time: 10:42
